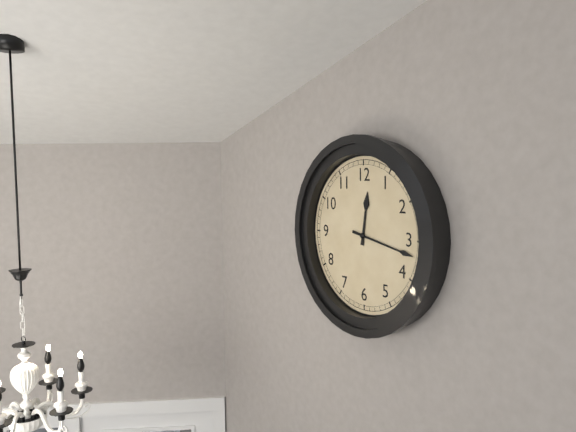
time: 12:17
